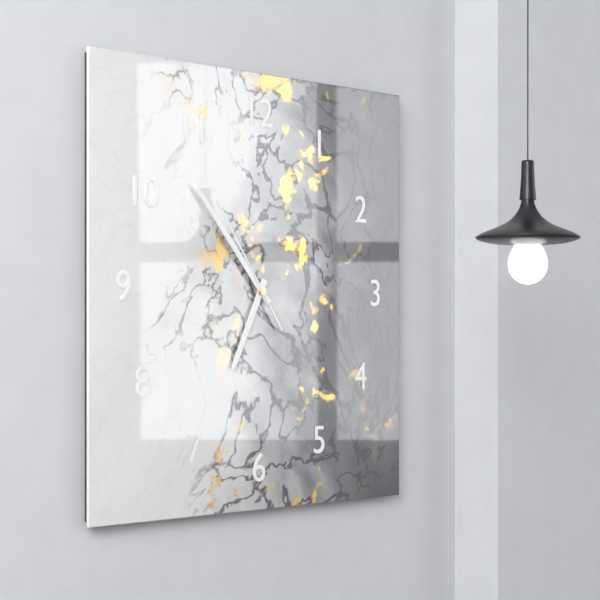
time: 6:53:54
